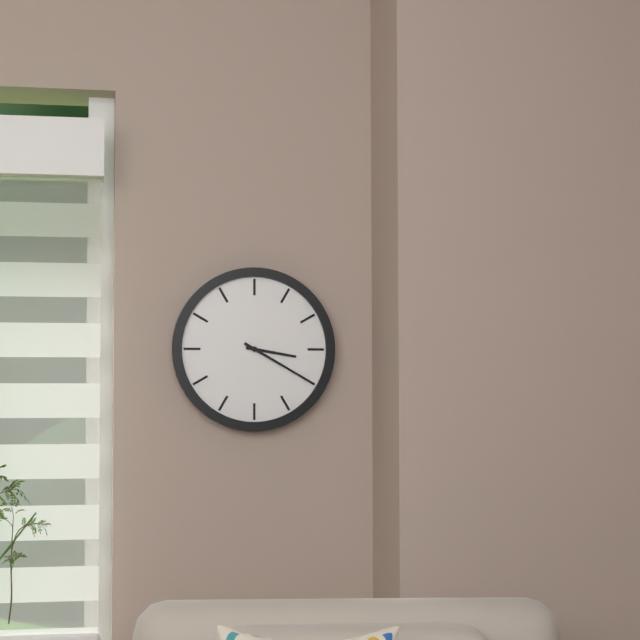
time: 3:20
